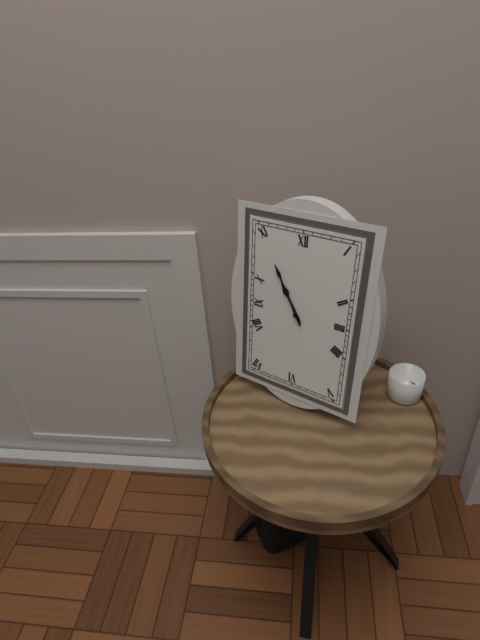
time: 10:55
